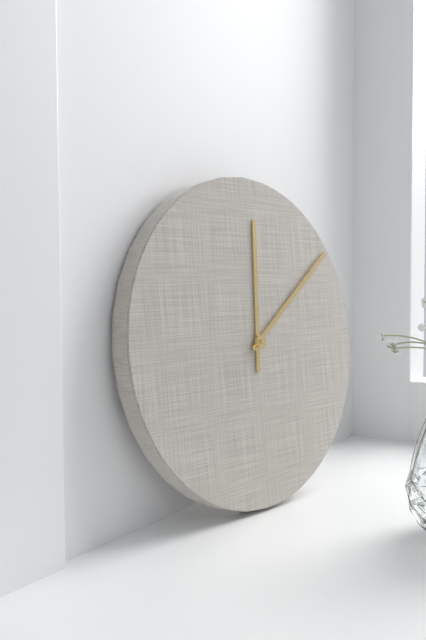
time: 12:09
